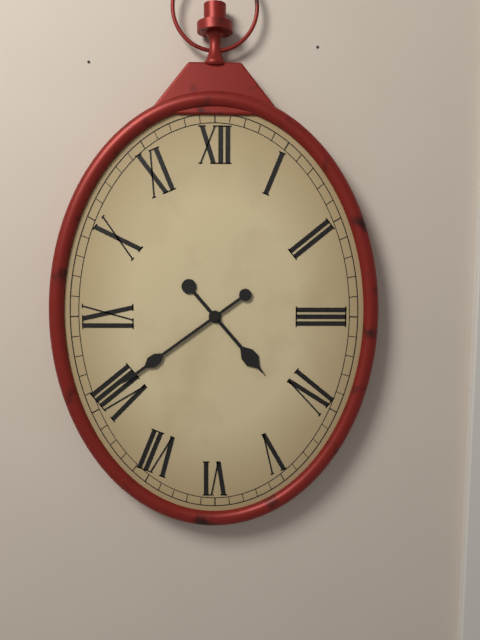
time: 4:39
